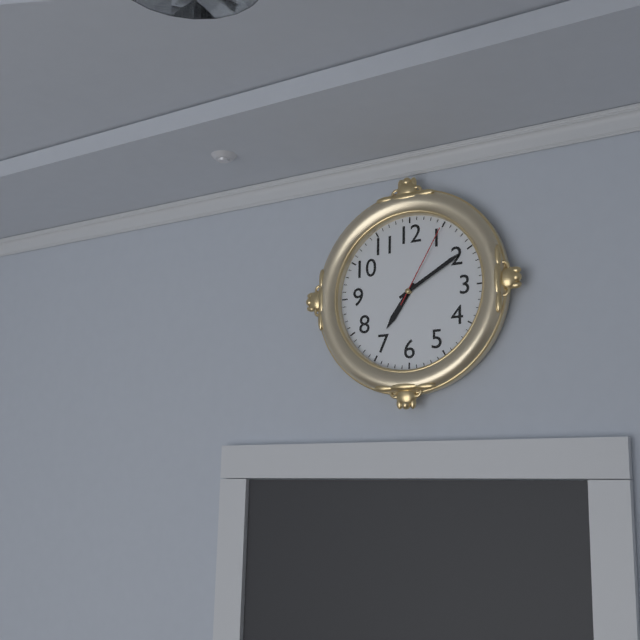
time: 7:10:05
